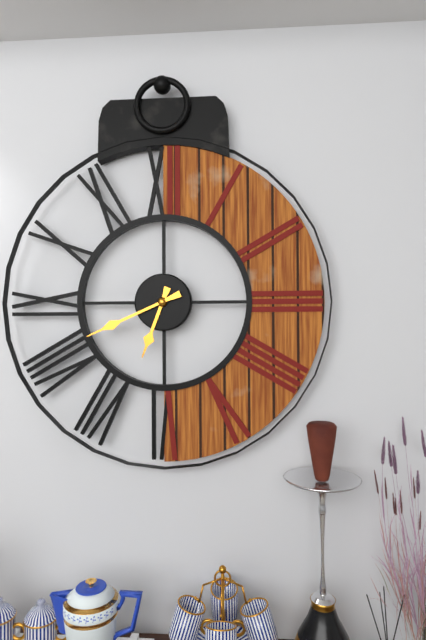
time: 6:41
